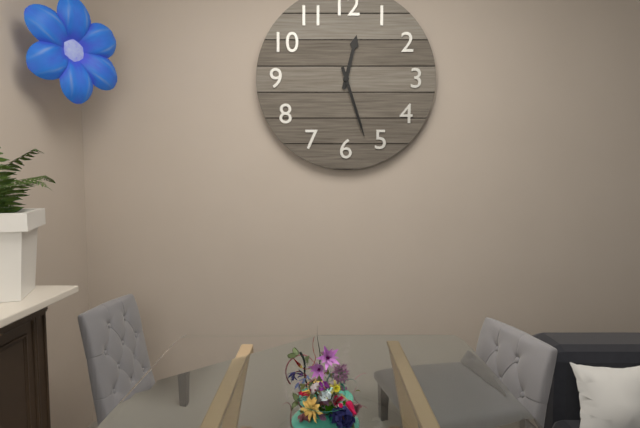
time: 12:27
